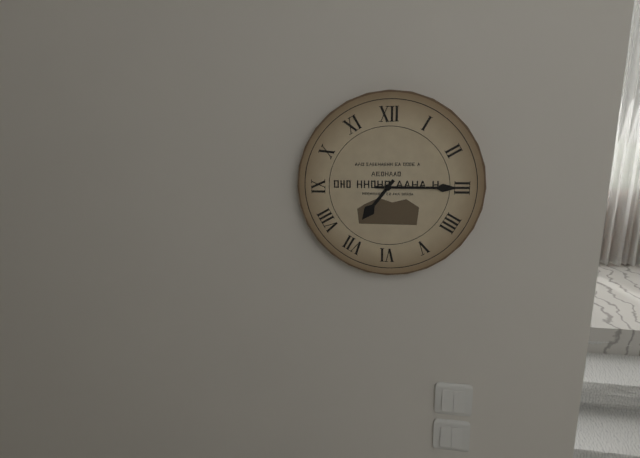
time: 7:15
